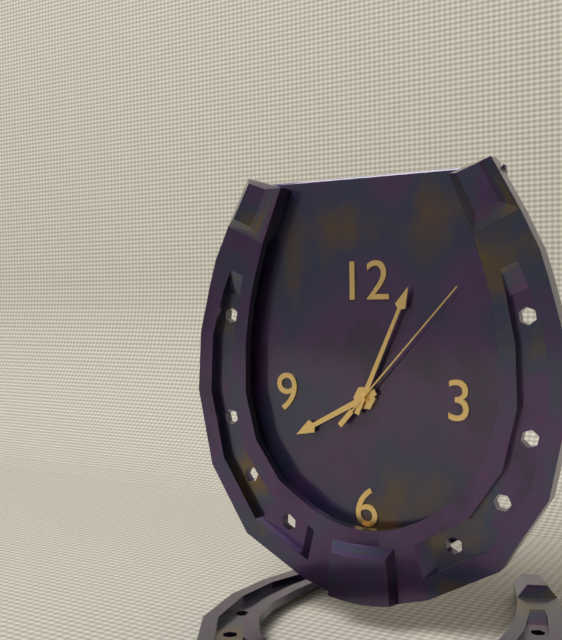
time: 8:04:07
